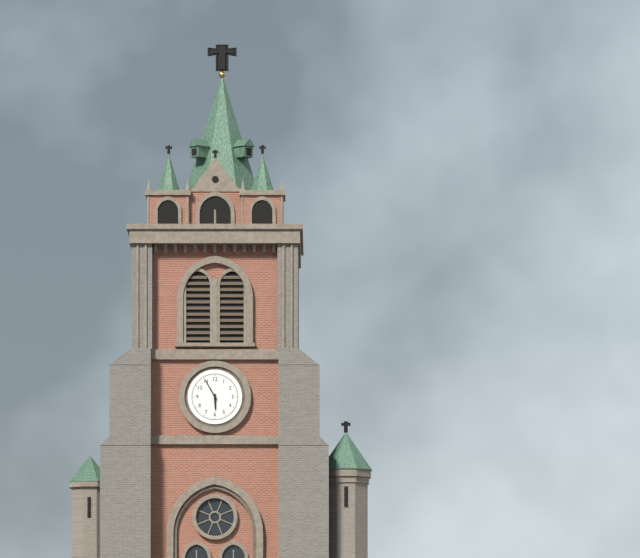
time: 5:55
